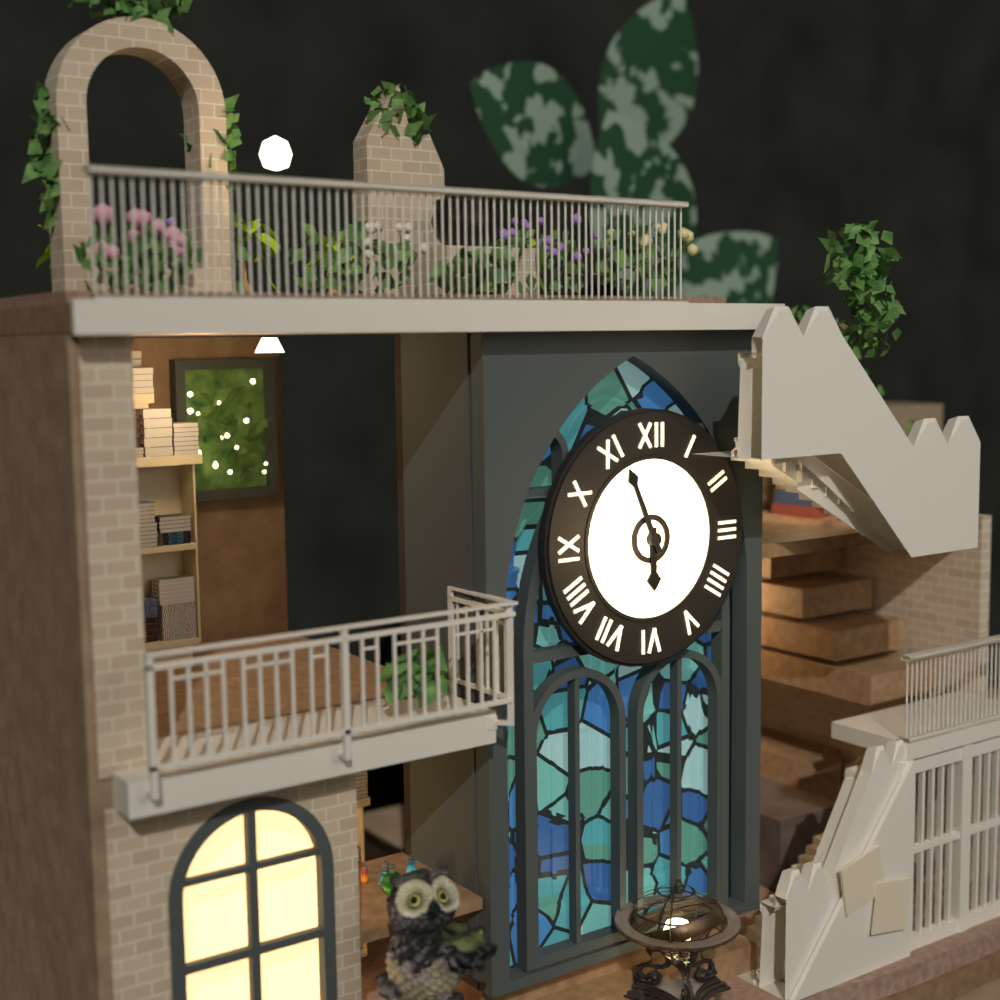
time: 5:56
